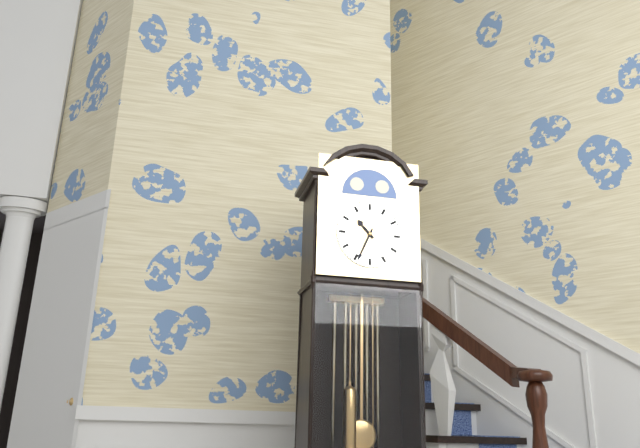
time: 10:34
